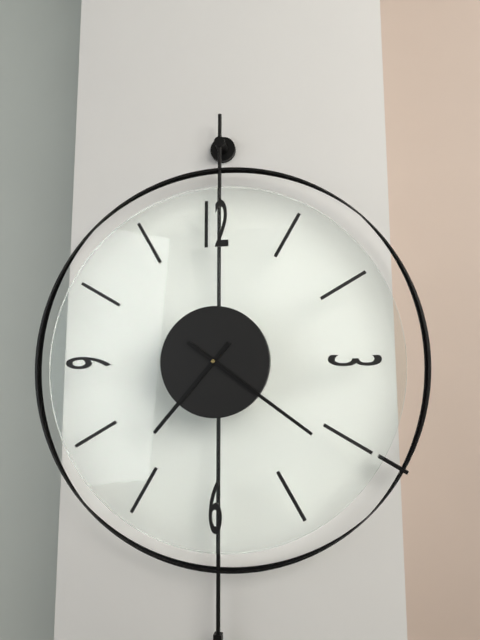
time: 7:21
